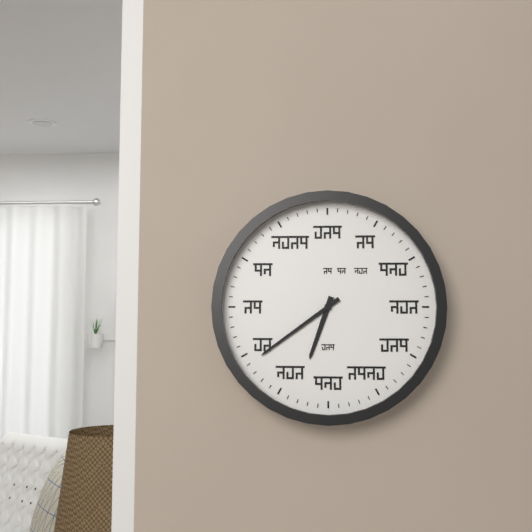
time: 6:39
